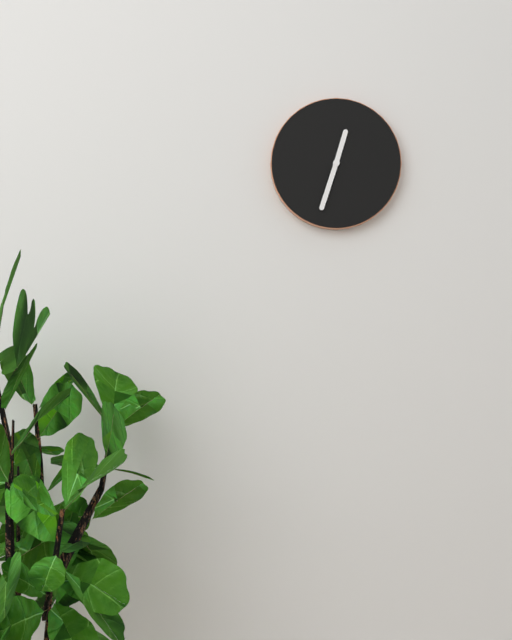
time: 12:33
